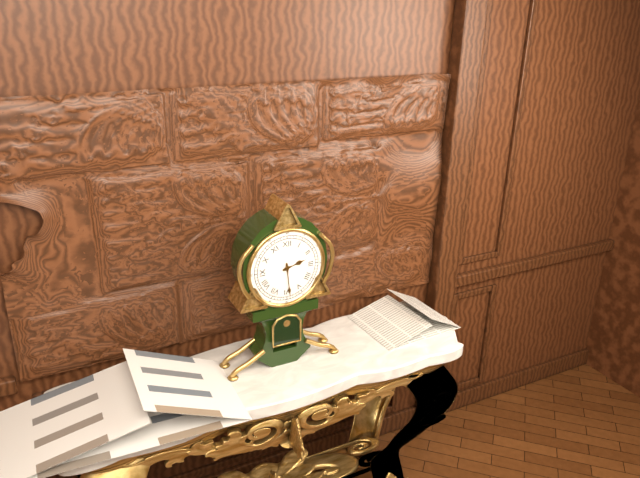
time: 2:29
